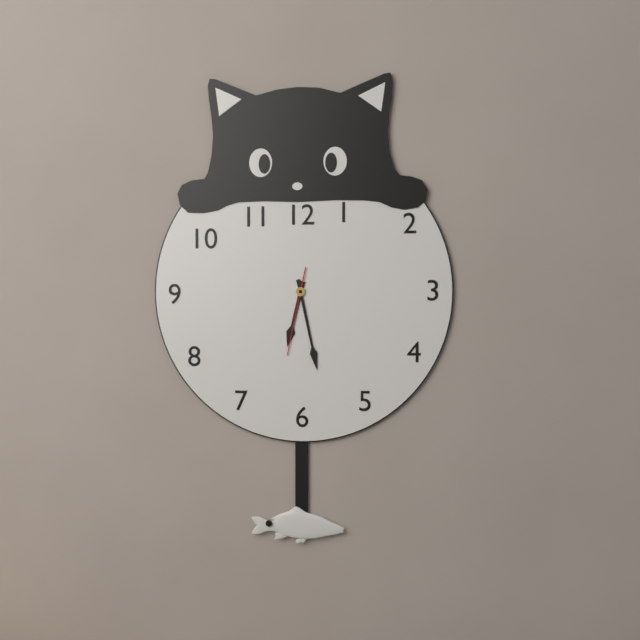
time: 6:28:32
